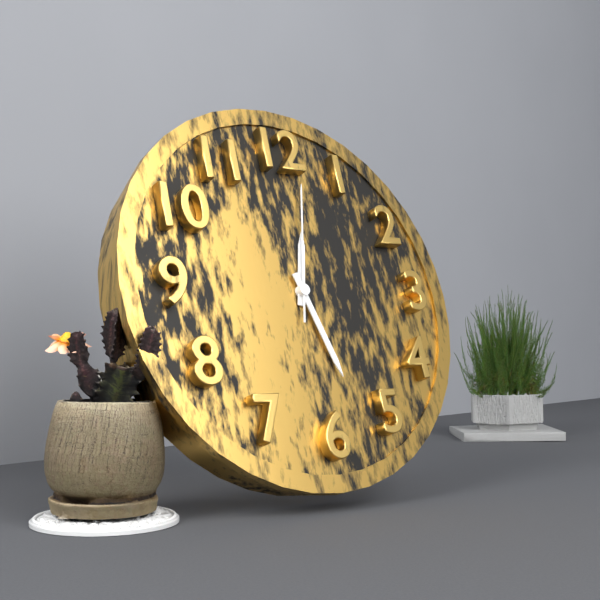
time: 12:27:02
